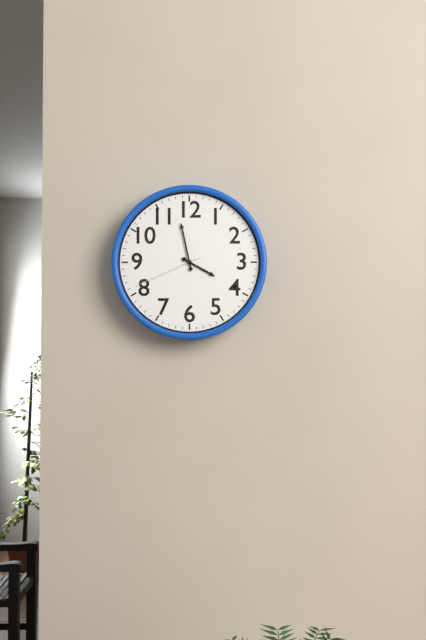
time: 3:58:41
